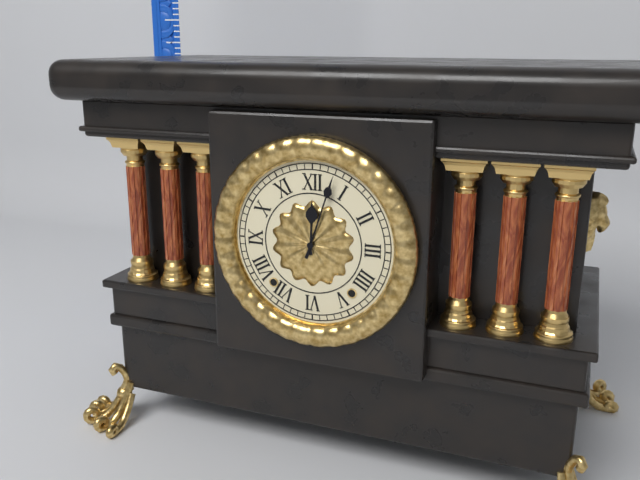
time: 12:03
